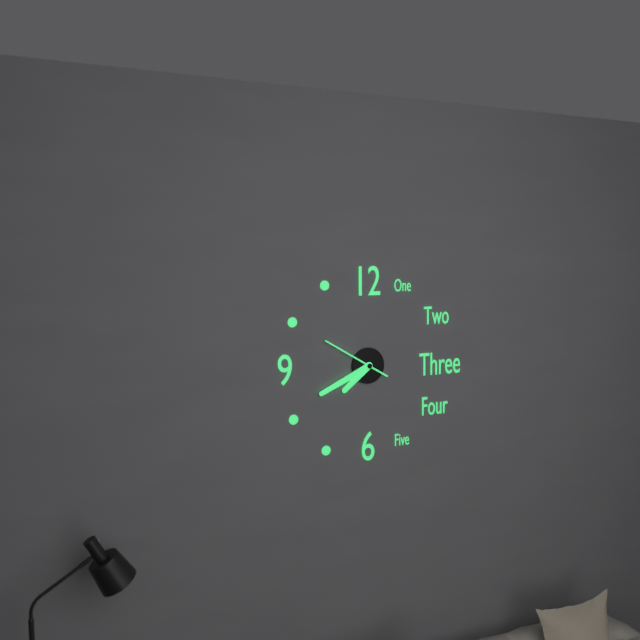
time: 7:41:50
